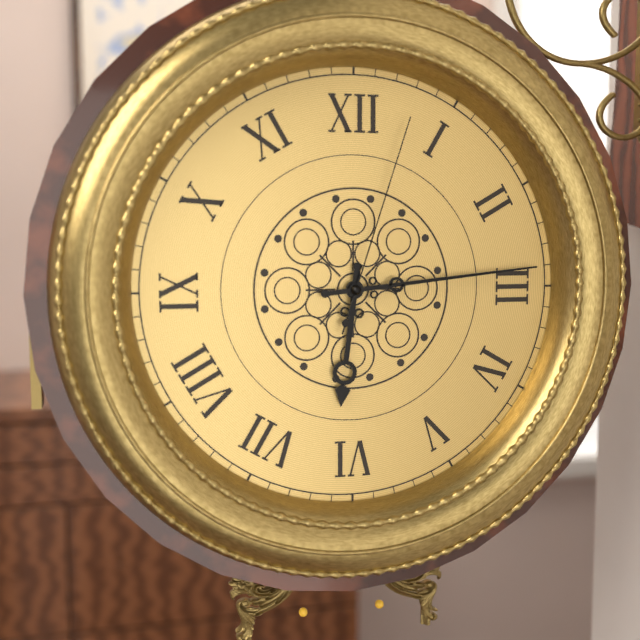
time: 6:14:03
